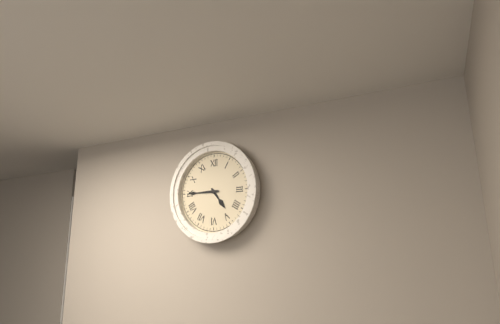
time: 4:45
